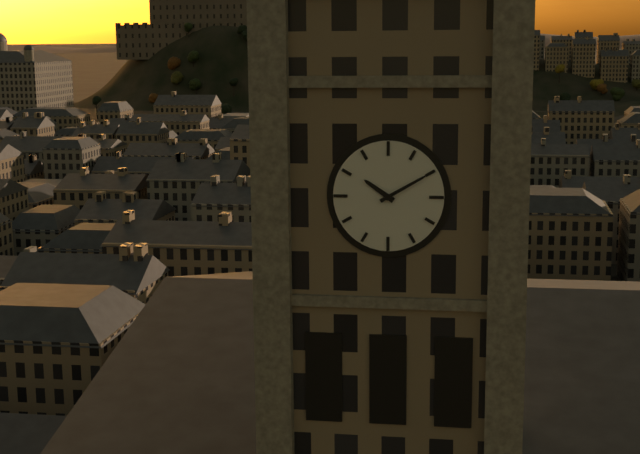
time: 10:10
